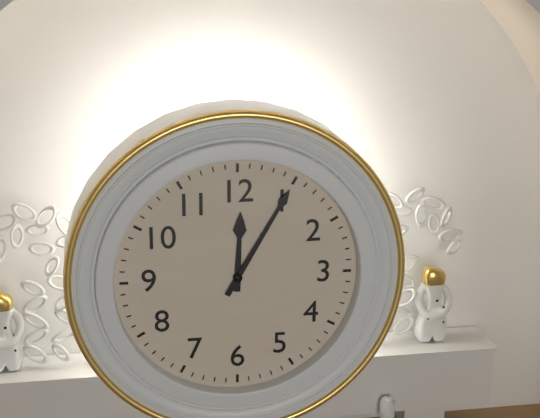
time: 12:05
